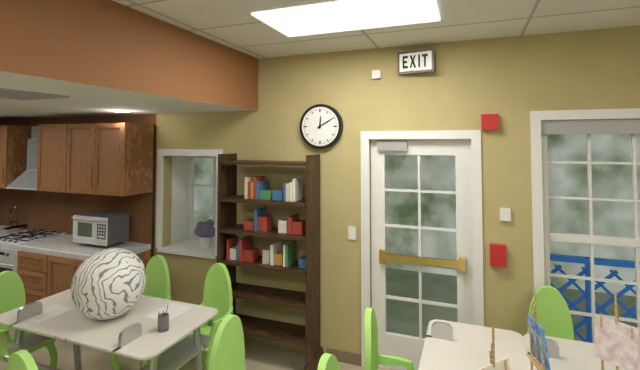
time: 12:10
